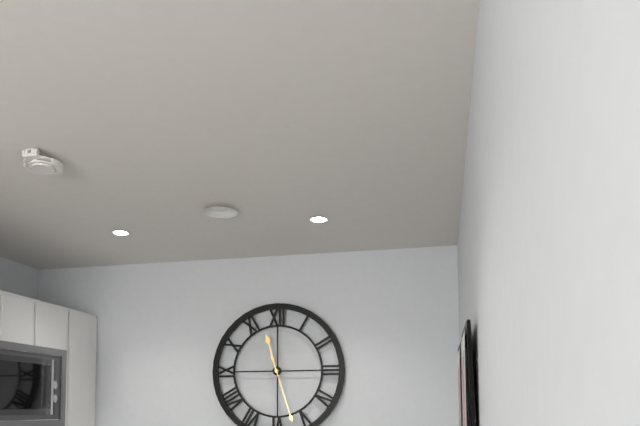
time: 11:27
